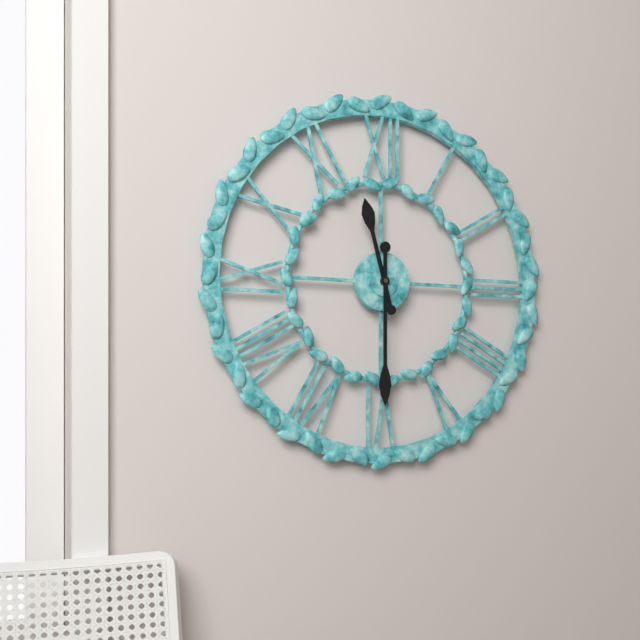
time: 11:30
